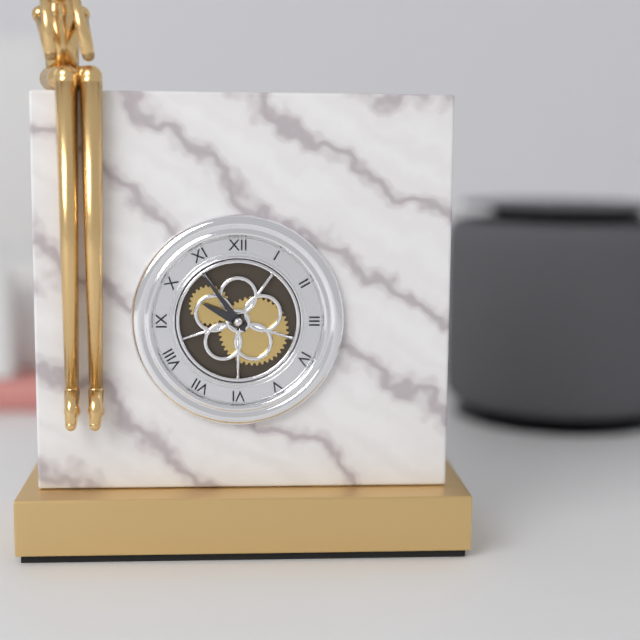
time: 9:54
